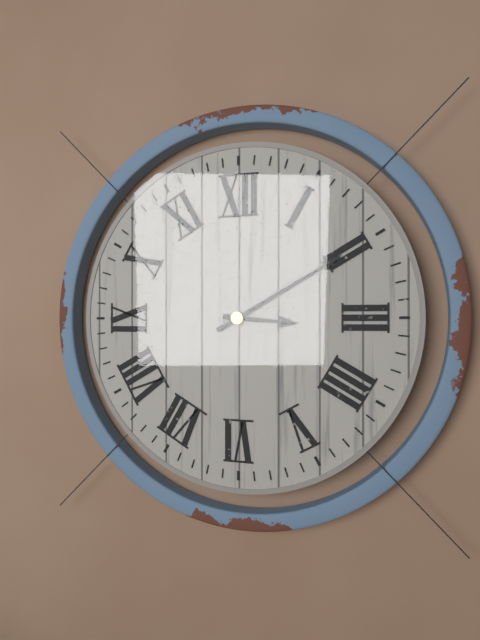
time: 3:10
